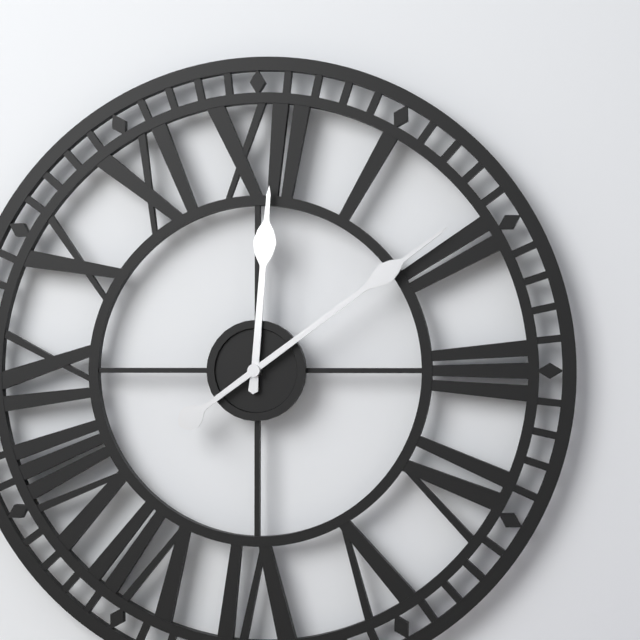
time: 12:09
